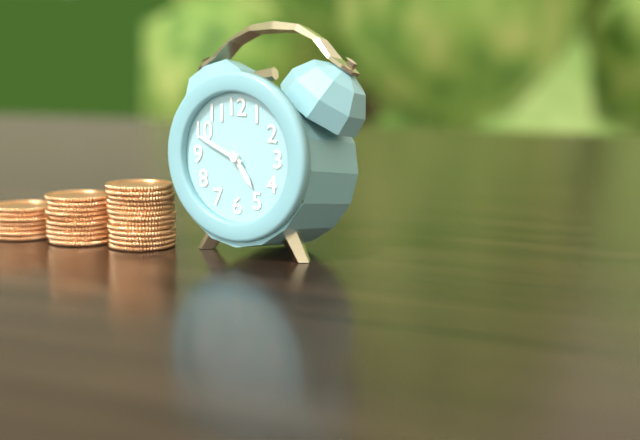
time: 4:49
